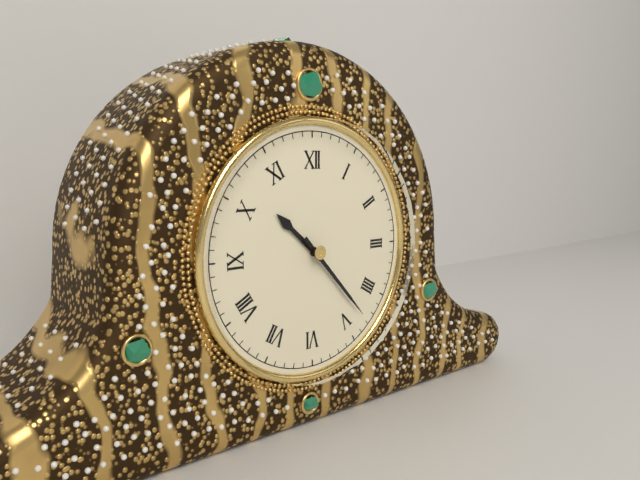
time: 10:23
